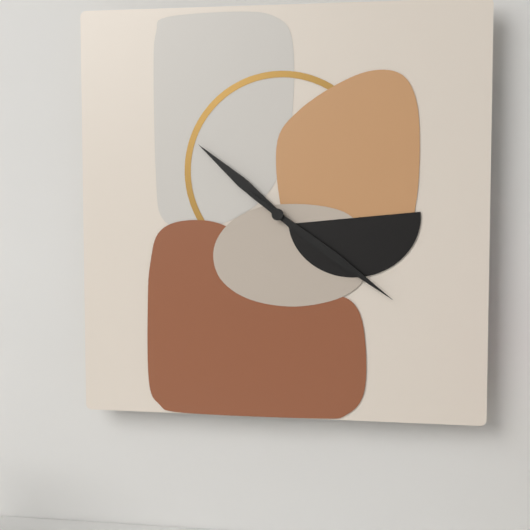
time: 10:21
